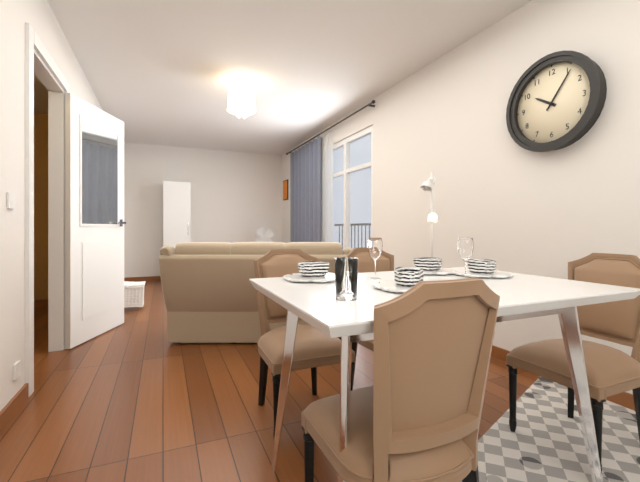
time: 10:06
